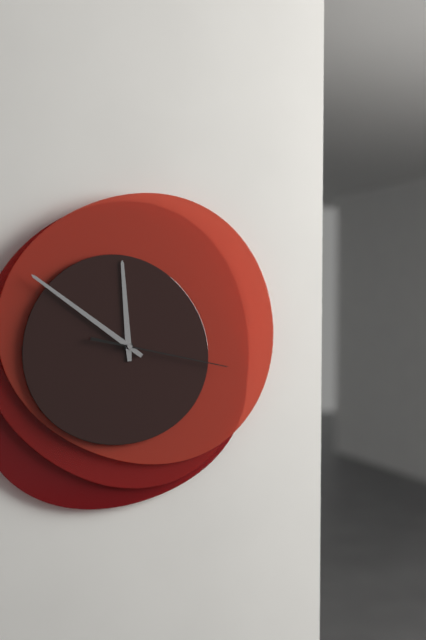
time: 11:51:17
